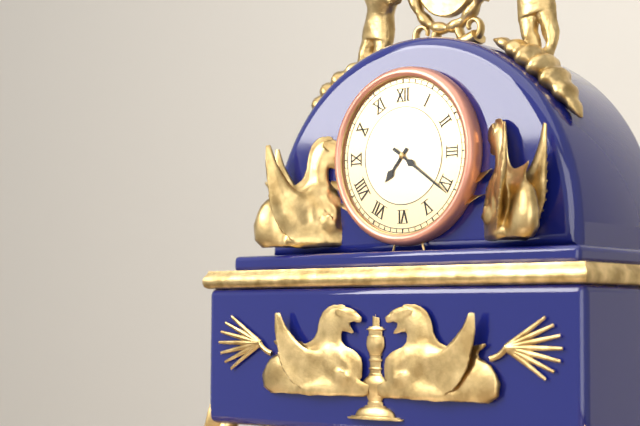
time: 7:21
